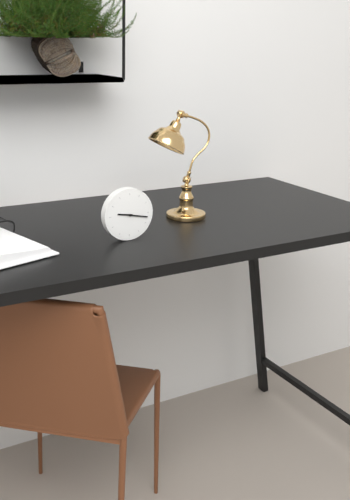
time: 9:17
